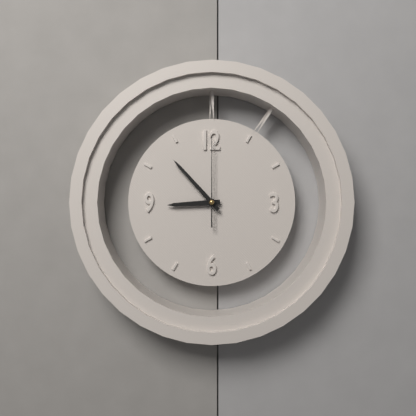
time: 8:53:00
